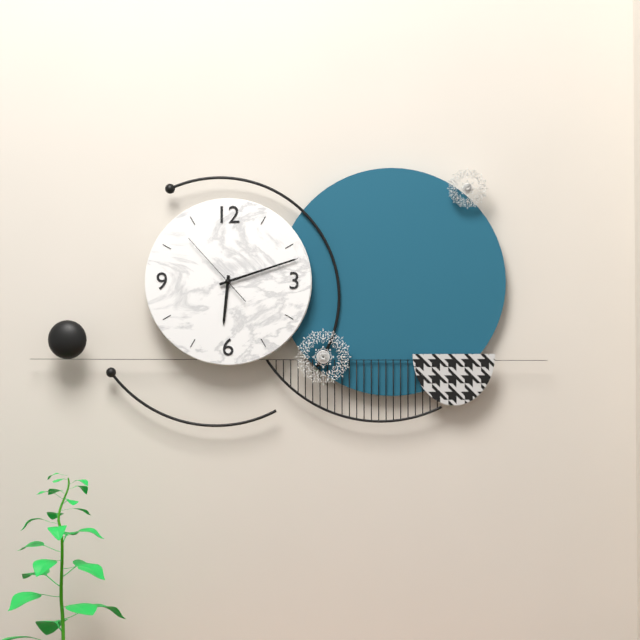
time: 6:12:53
